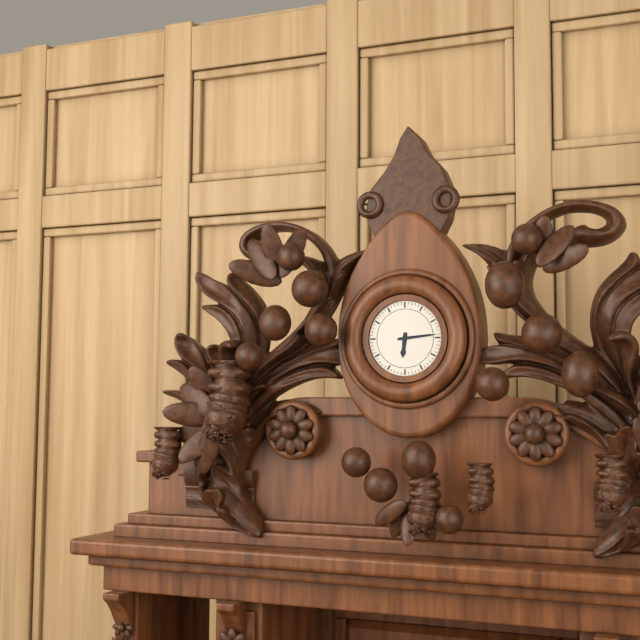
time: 6:14
